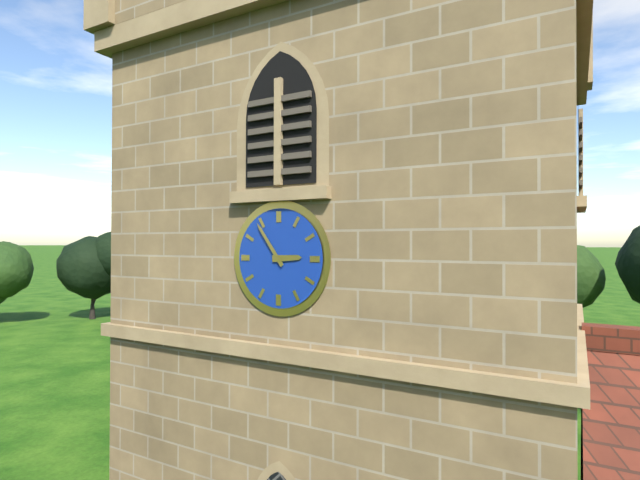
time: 2:54
